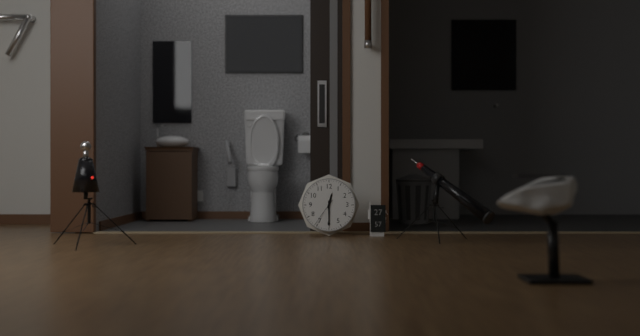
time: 12:30
